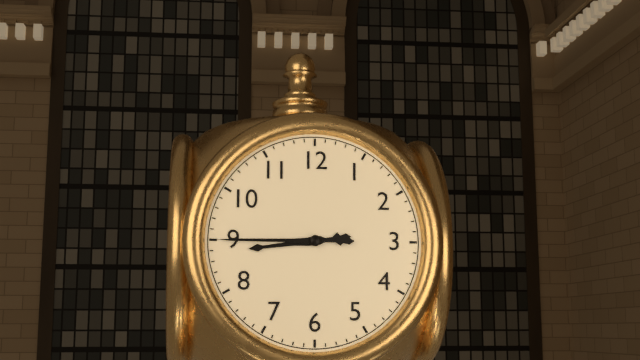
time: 8:45
